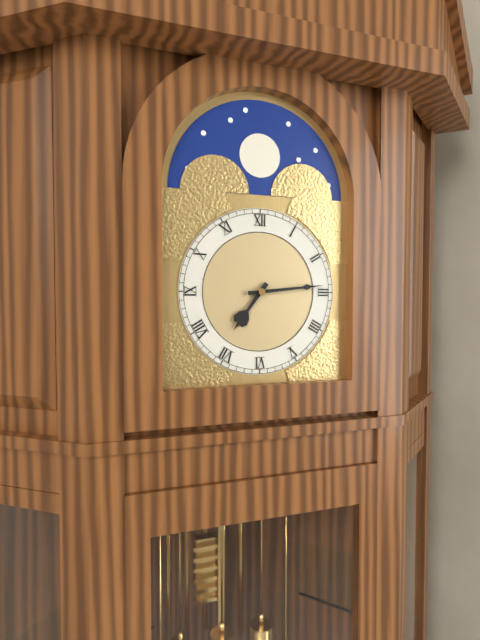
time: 7:14
